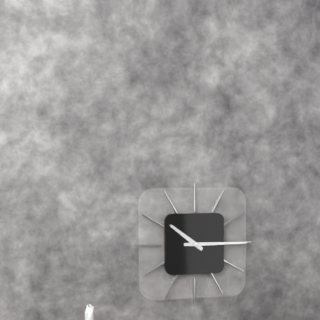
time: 10:15
